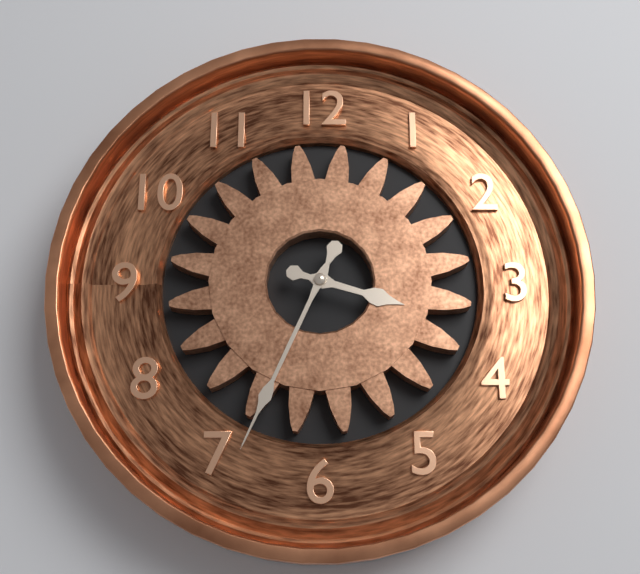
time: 3:34
